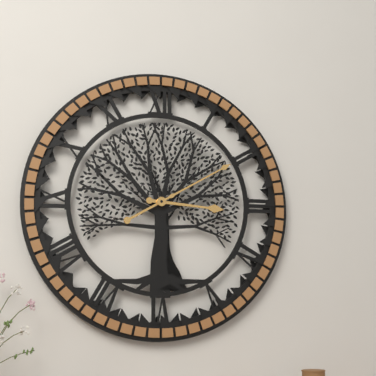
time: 3:10
